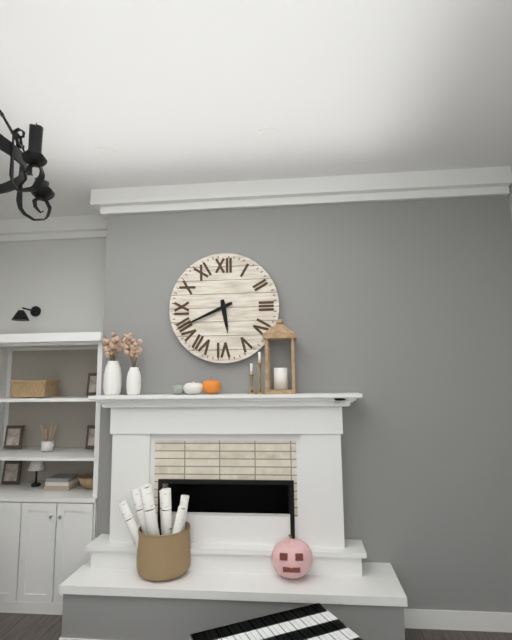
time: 5:41
